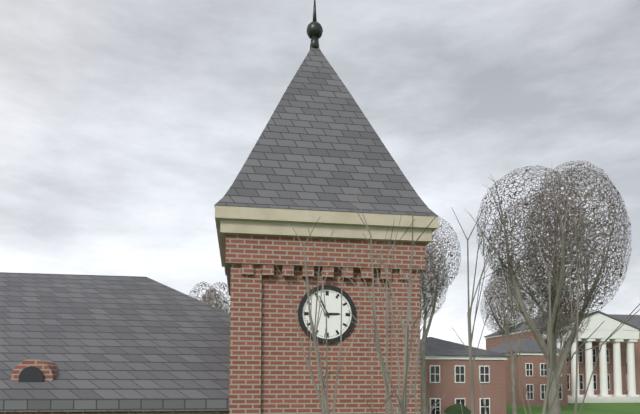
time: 2:56
